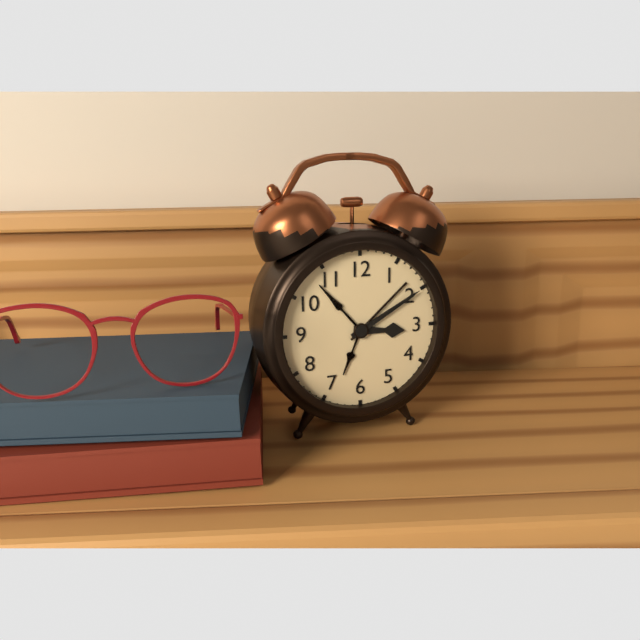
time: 3:10
